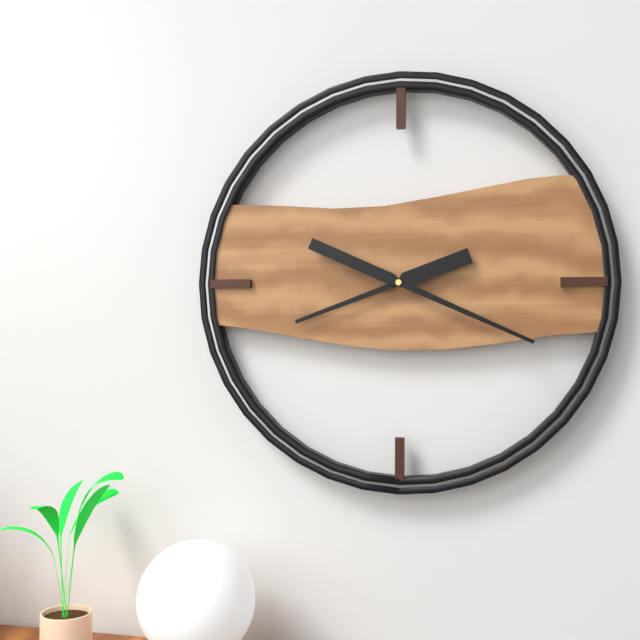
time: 8:19
